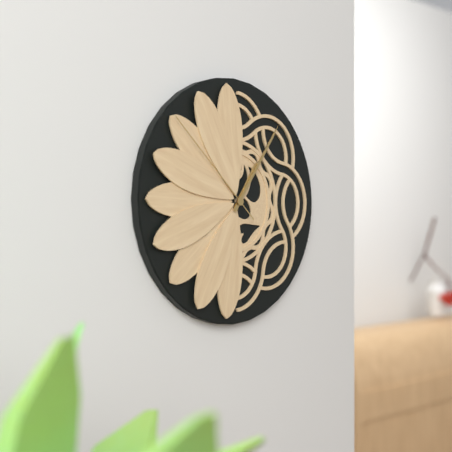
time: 1:06:52
